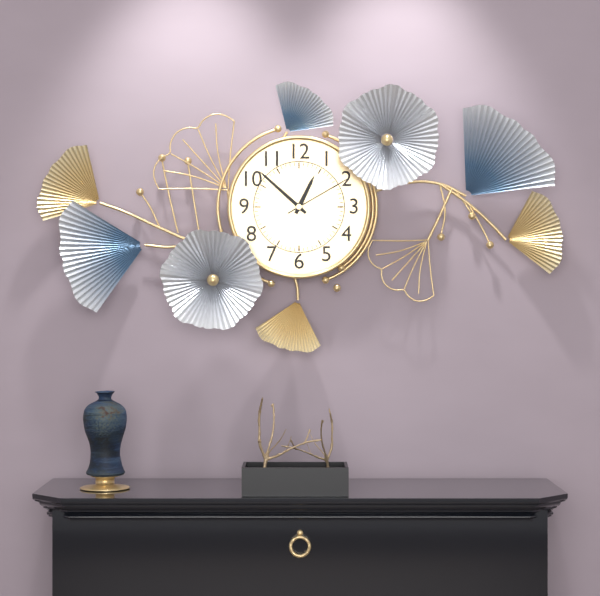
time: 12:52:10
